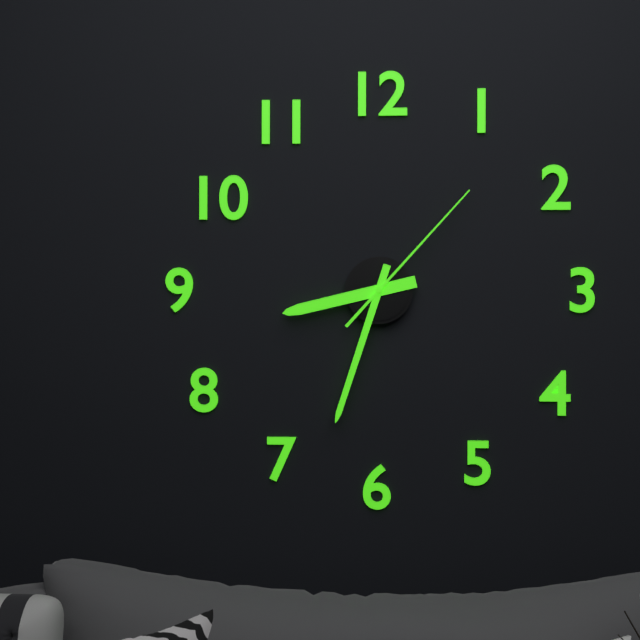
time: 8:33:07
